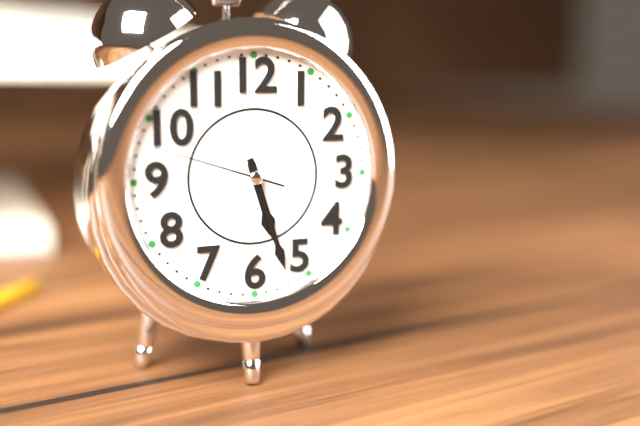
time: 5:27:48
